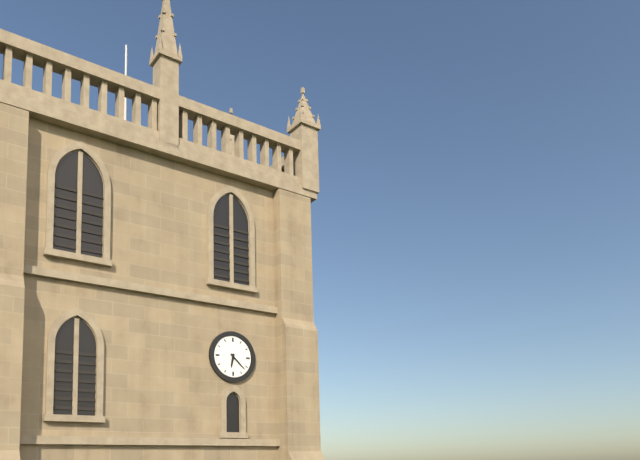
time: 6:22
